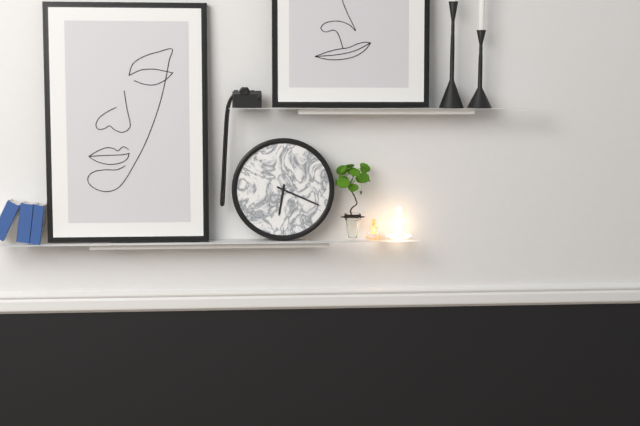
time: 6:19
